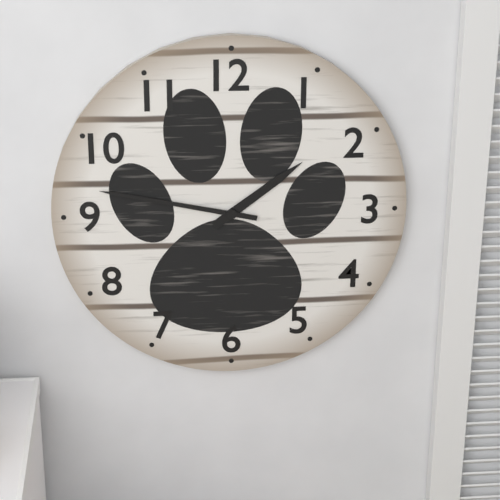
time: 1:47
